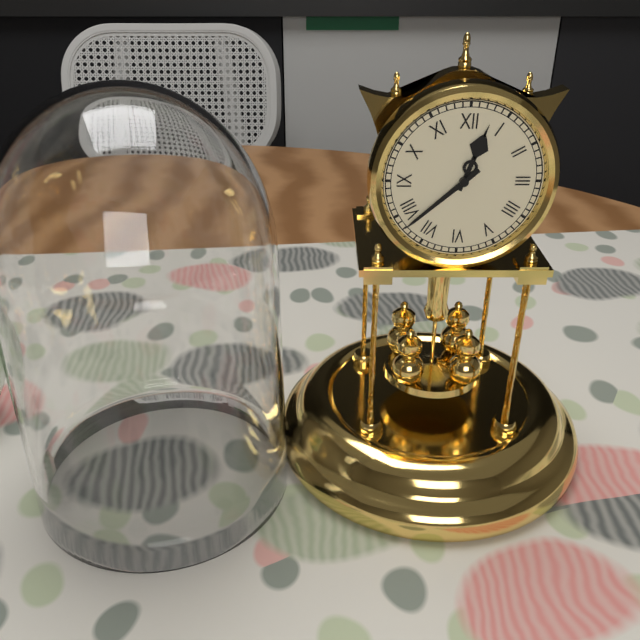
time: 12:38
